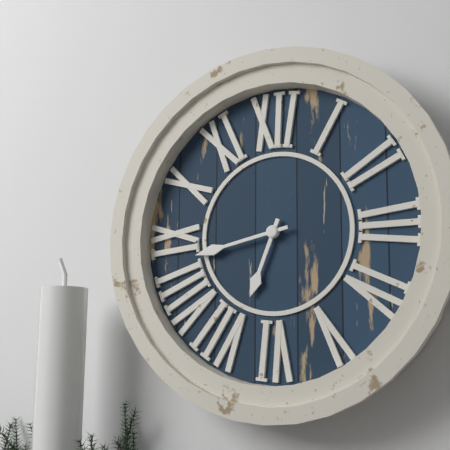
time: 6:43
